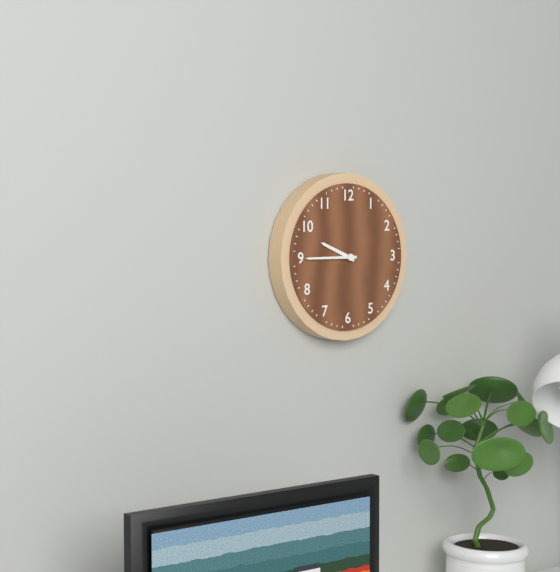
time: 9:45
